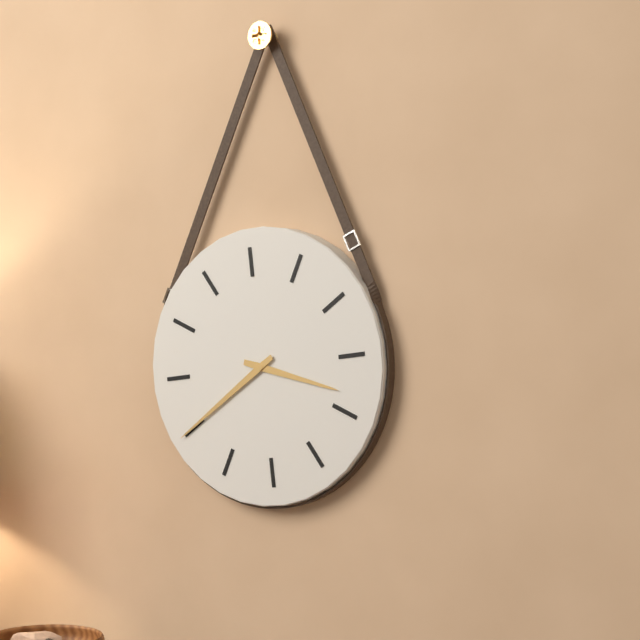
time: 3:40
